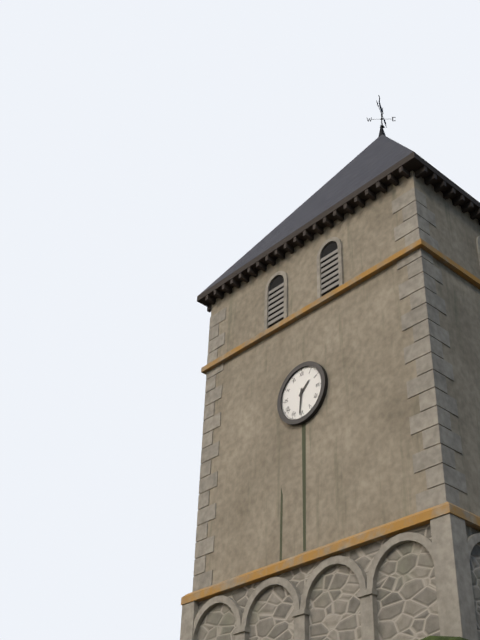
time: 1:31
